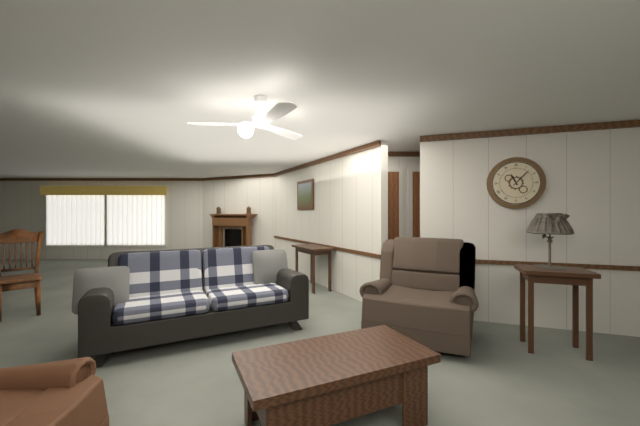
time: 11:07
